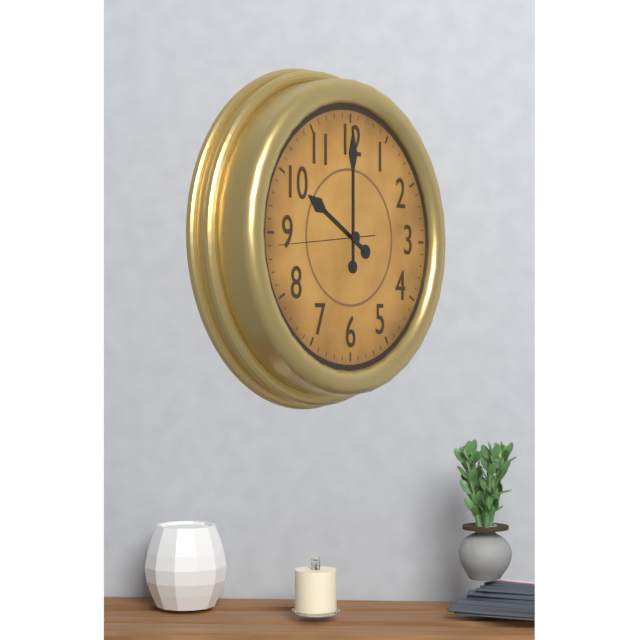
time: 10:00:44
